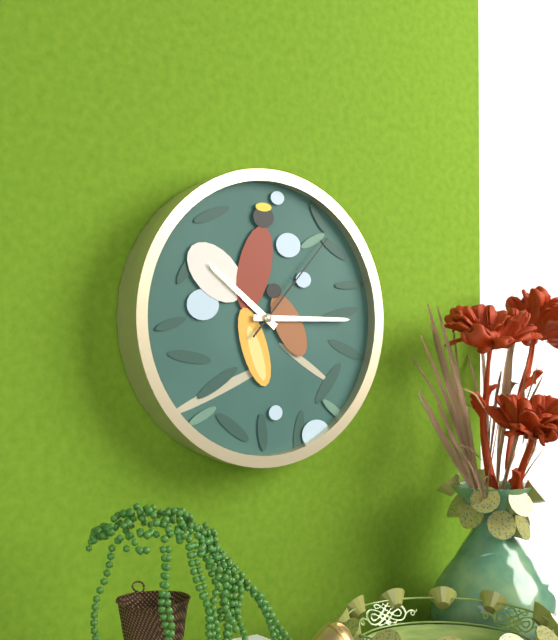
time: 10:15:07
